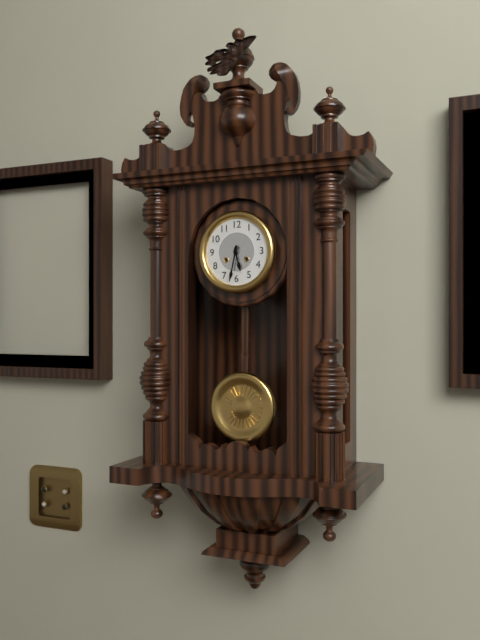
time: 5:32
